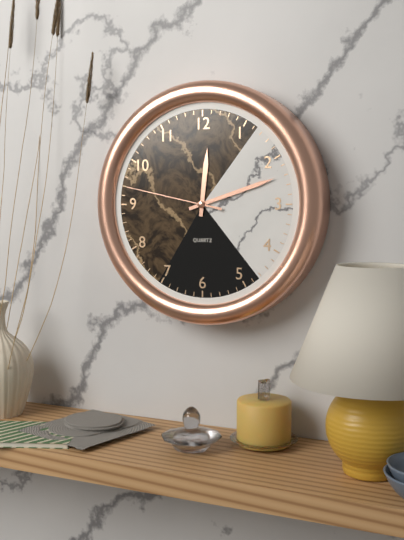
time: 12:12:47
